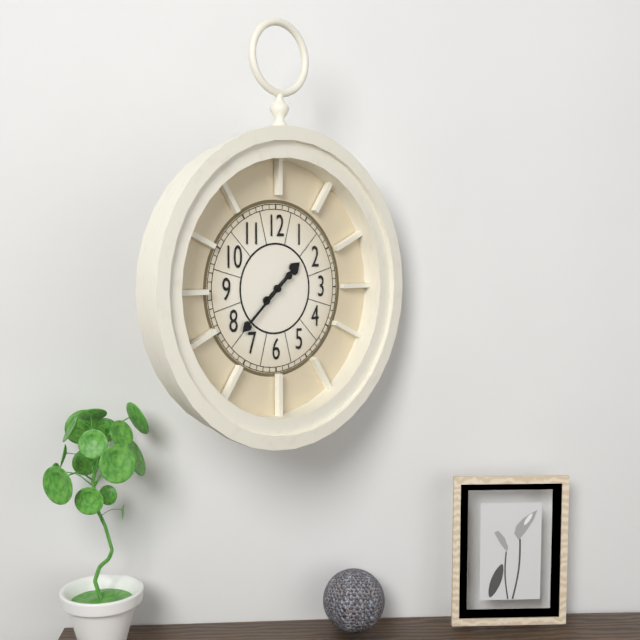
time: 1:38
